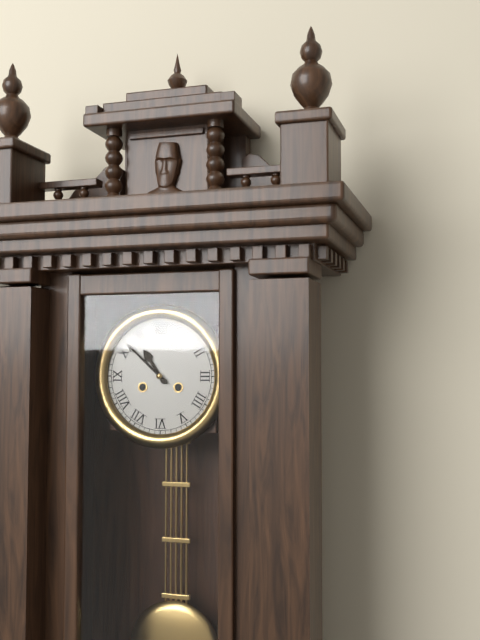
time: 10:52
